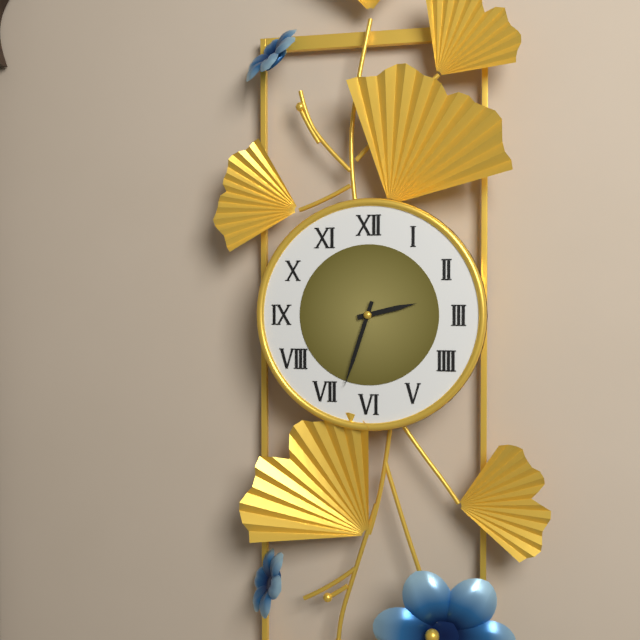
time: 2:33
